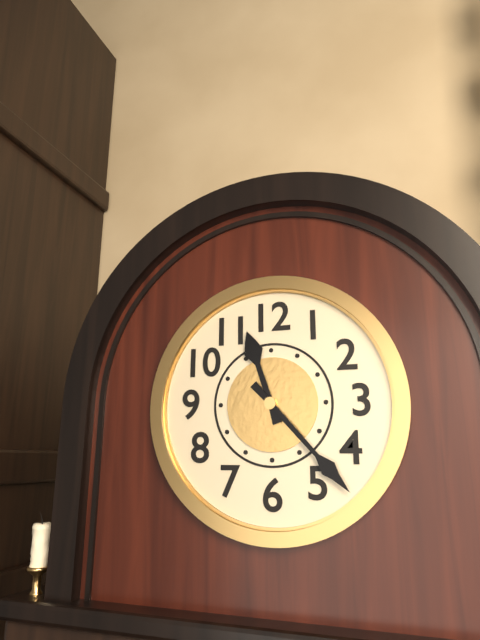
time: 11:23
